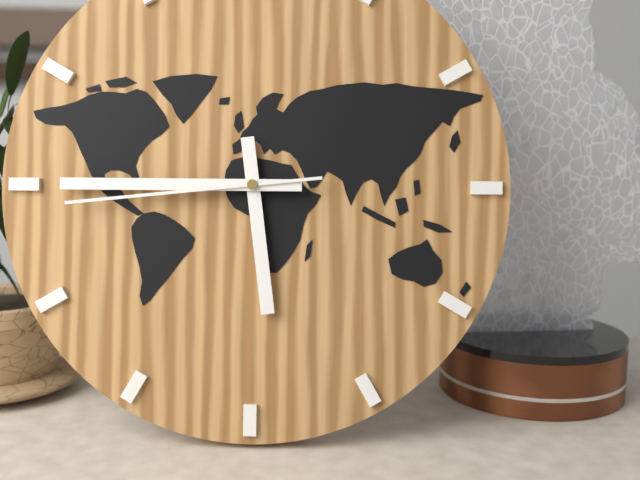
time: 5:45:44
